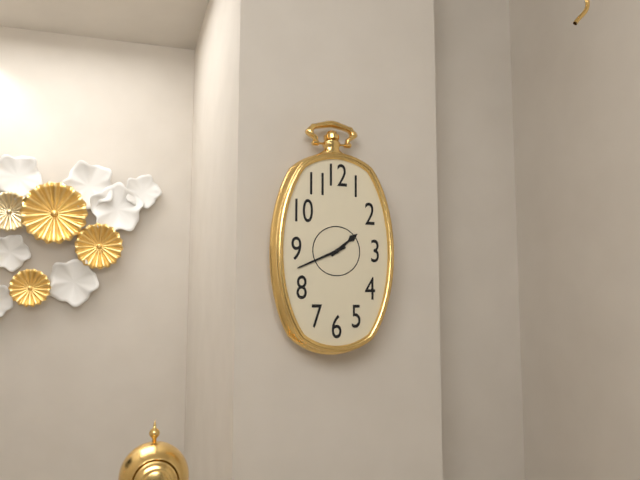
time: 1:41
